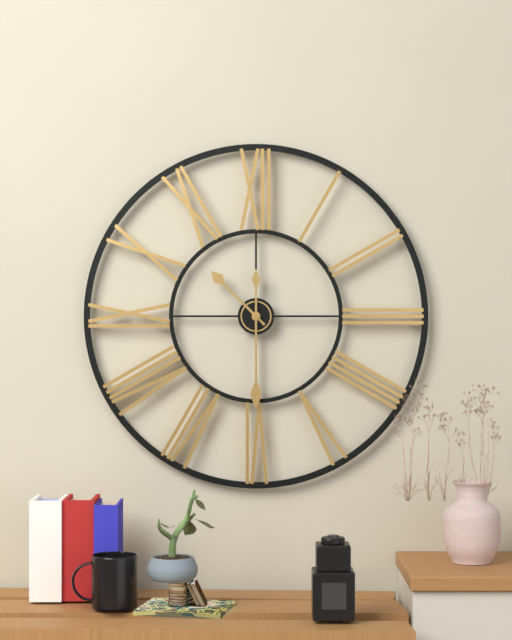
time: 10:30
